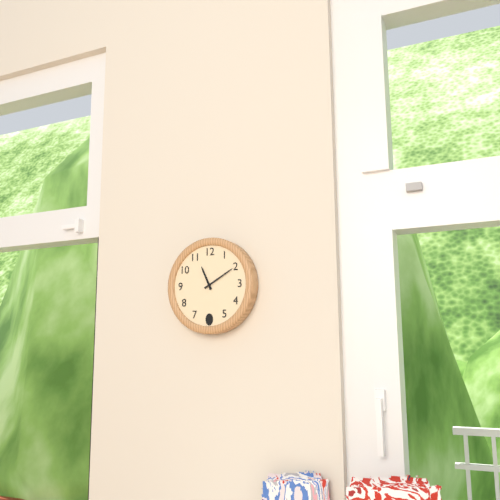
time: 11:10
